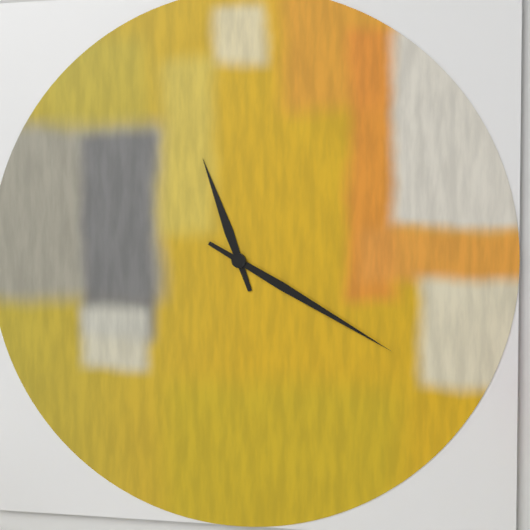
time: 11:20
